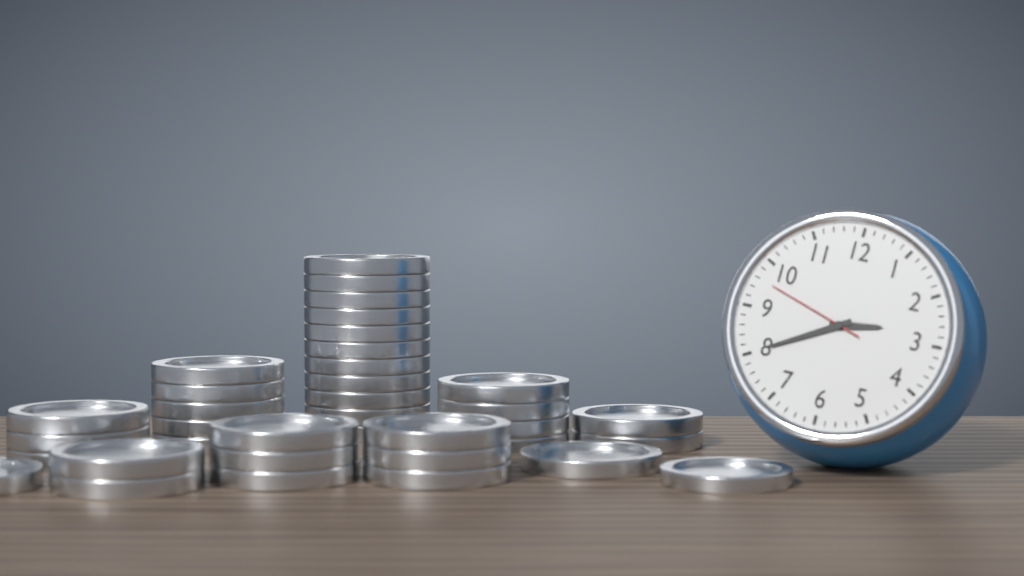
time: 2:40:48
